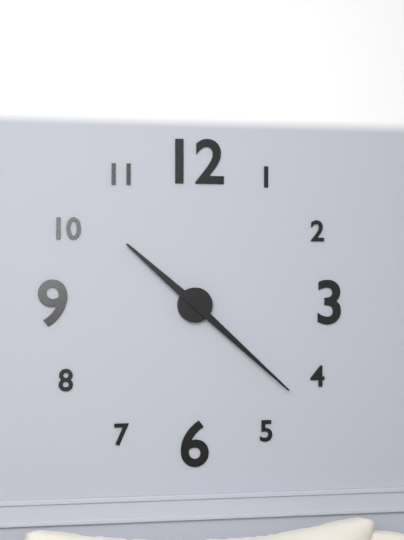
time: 10:22
